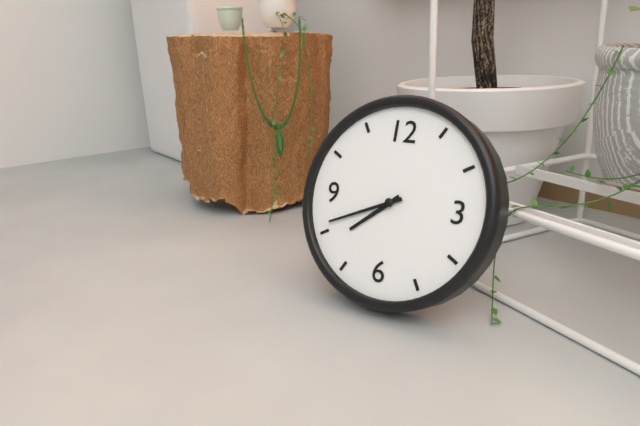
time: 7:41
